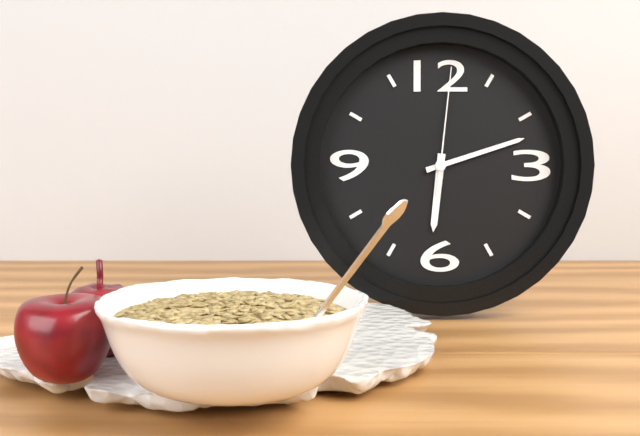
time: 6:12:01
